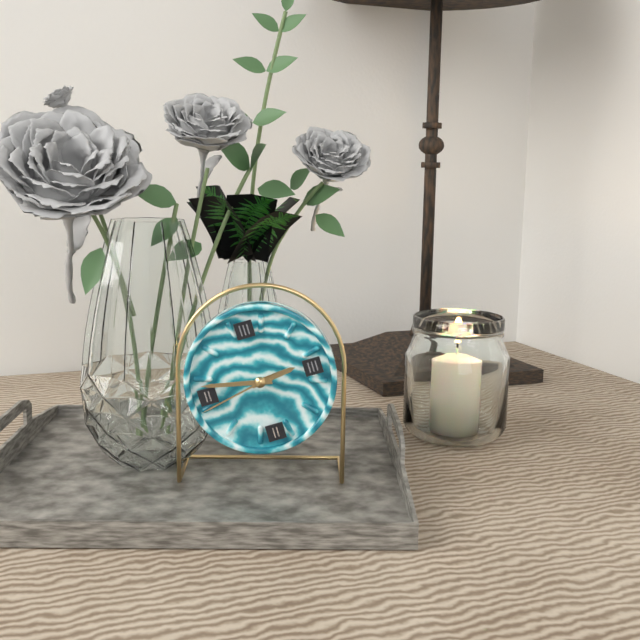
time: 2:47:43
